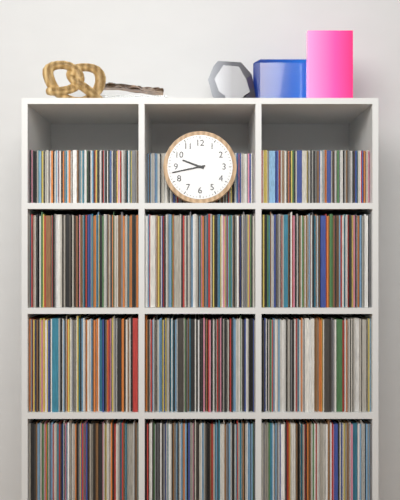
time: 9:43
